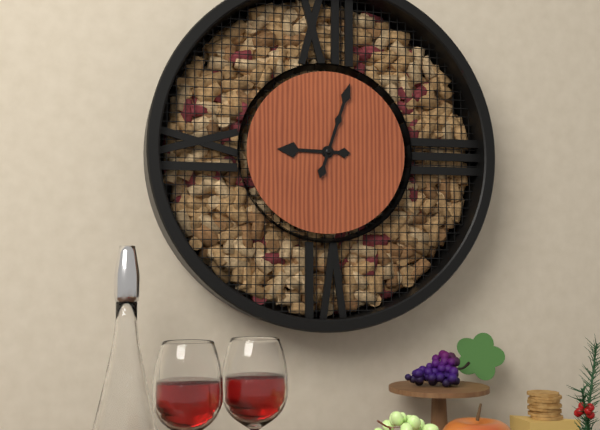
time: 9:03
